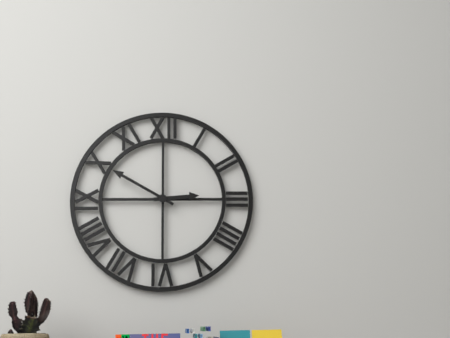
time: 2:50
